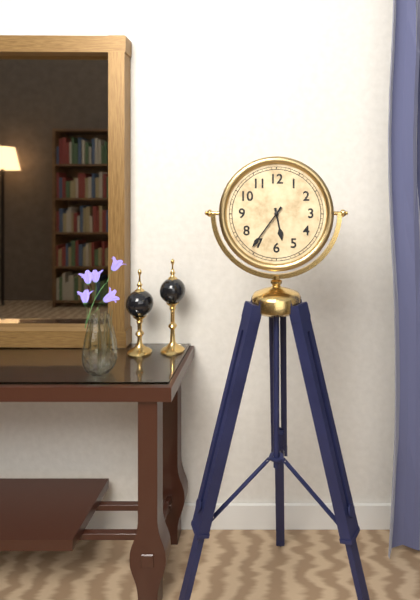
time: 5:36
